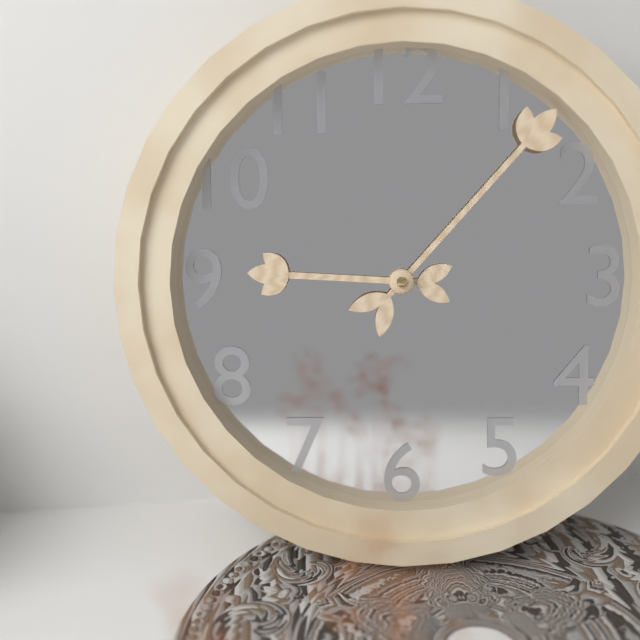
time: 9:07
